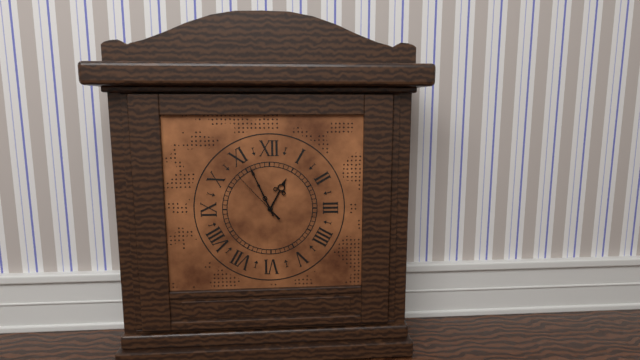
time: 12:56:53
